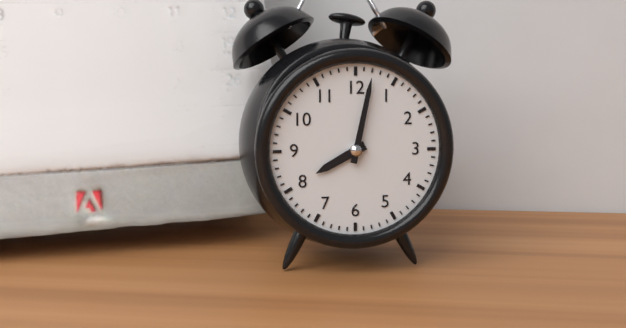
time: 8:02
